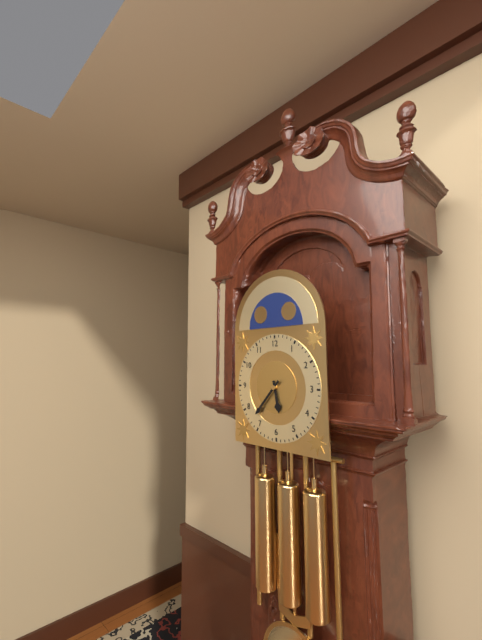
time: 5:37
